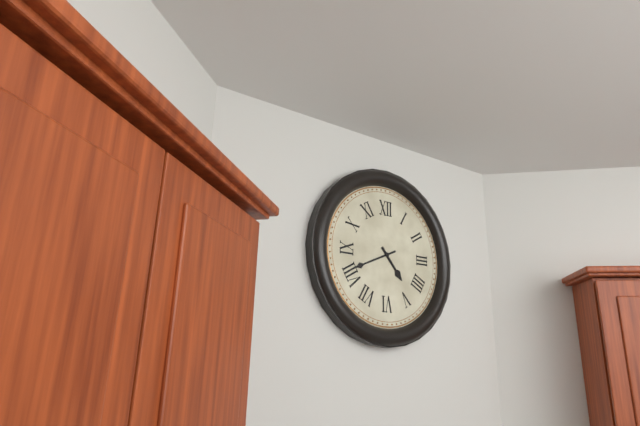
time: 4:41
